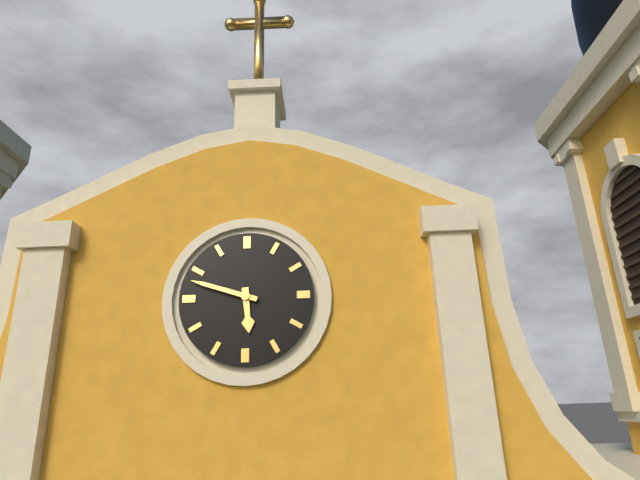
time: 5:48
